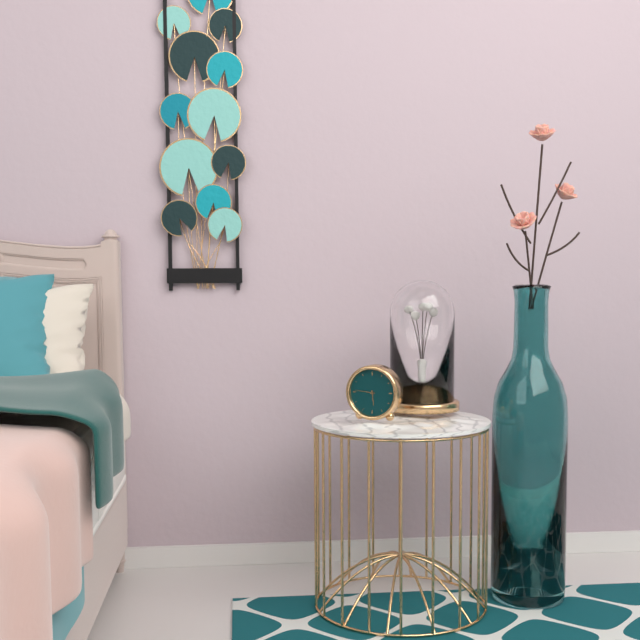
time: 5:46
